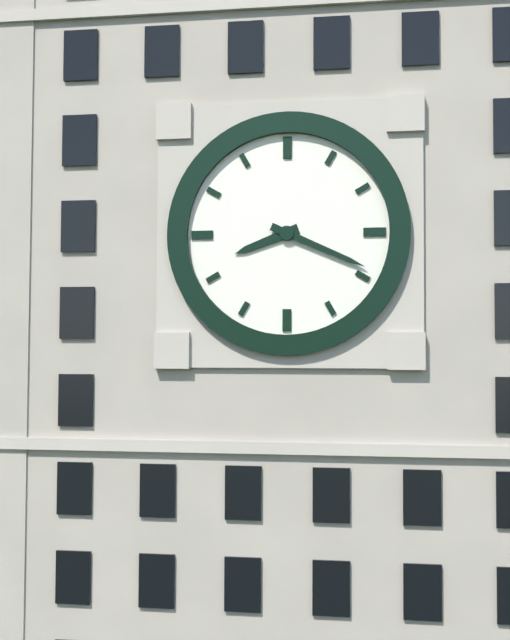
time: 8:19
